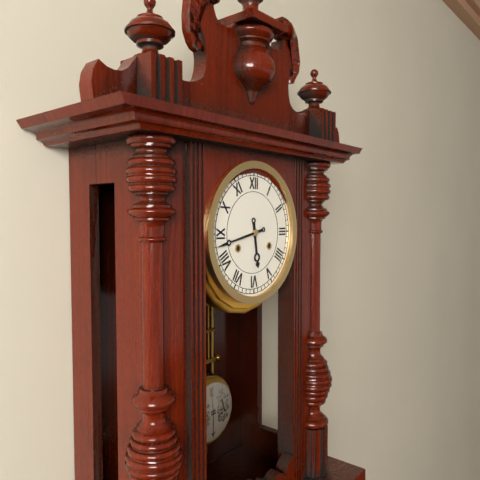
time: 5:43
